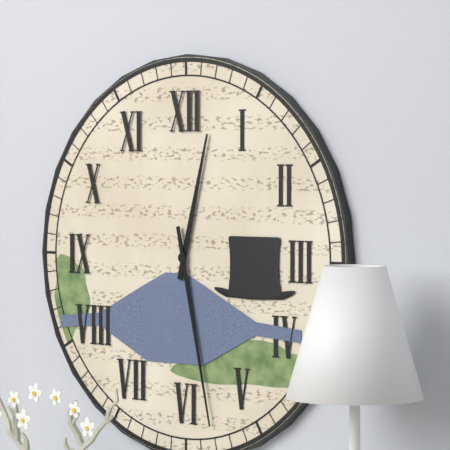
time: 12:28
